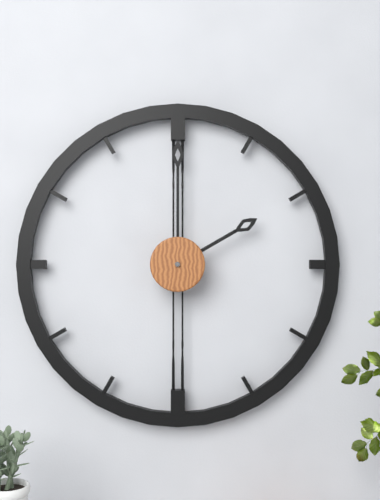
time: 2:00
